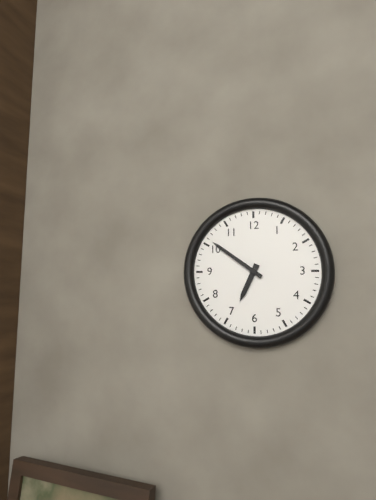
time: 6:51
